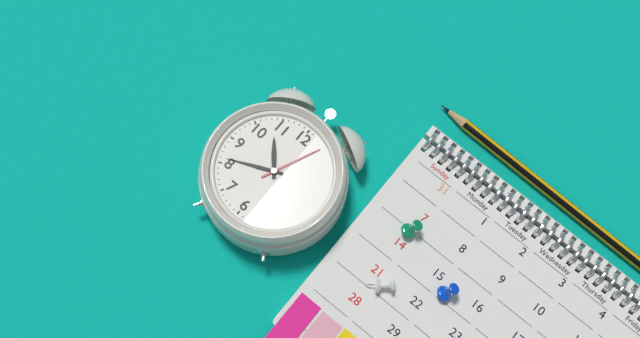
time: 10:41:04
